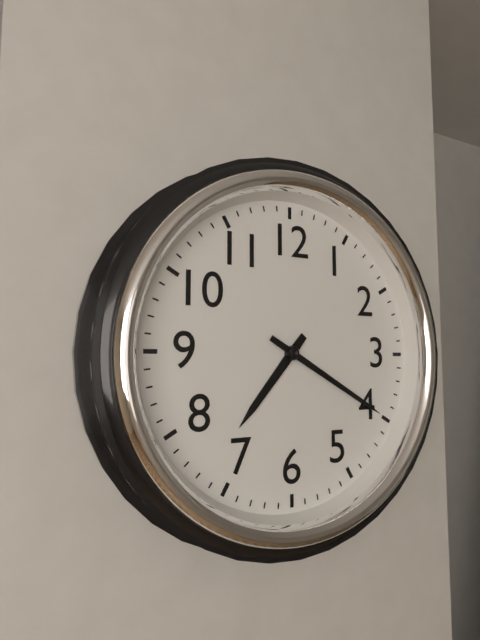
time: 7:20
